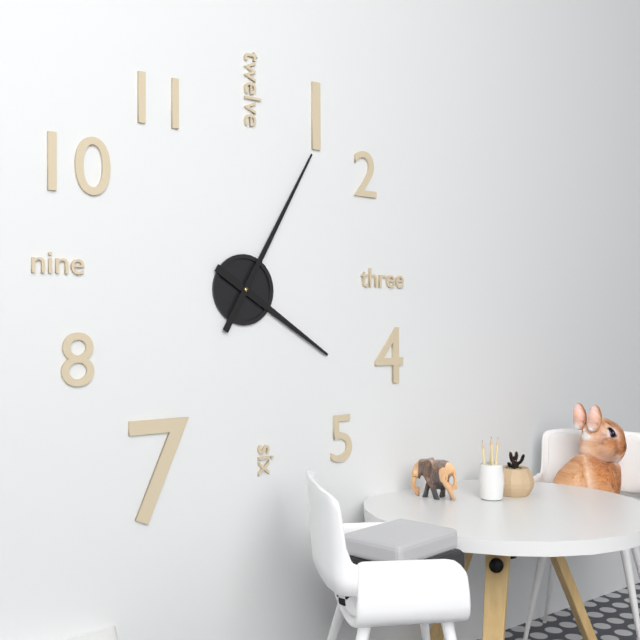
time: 4:05
